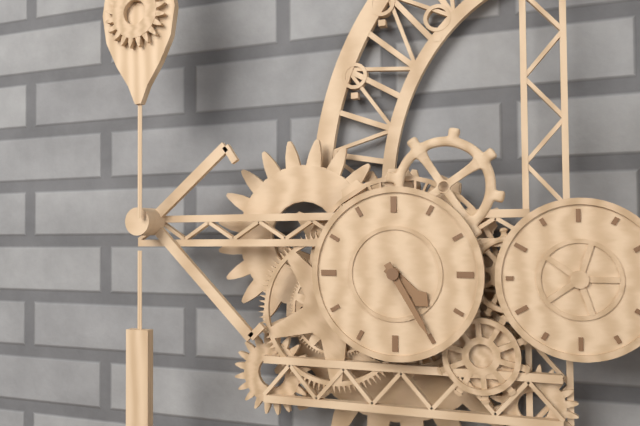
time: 4:25
